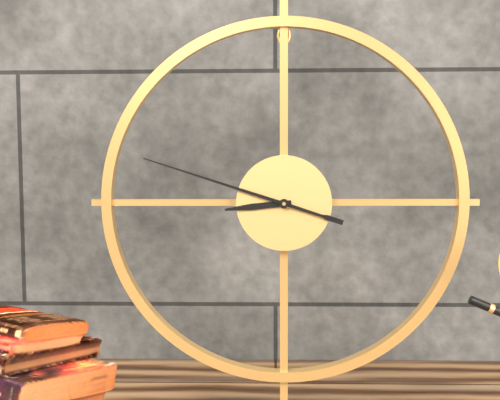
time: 8:48
